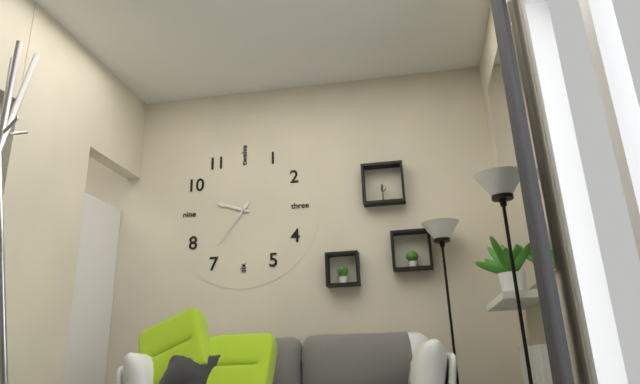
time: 9:36
